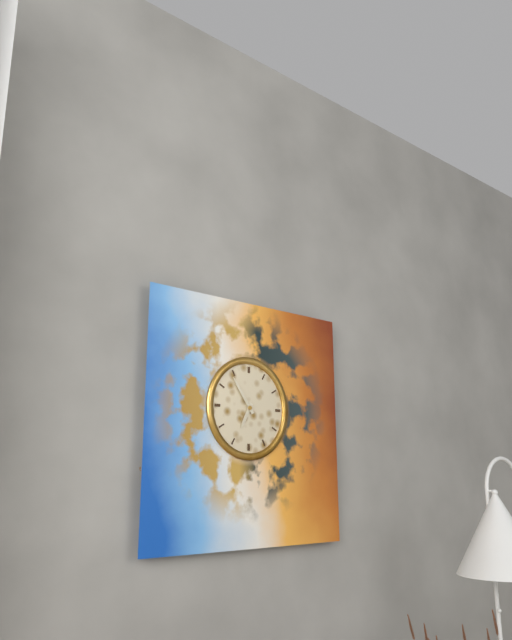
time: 6:54
